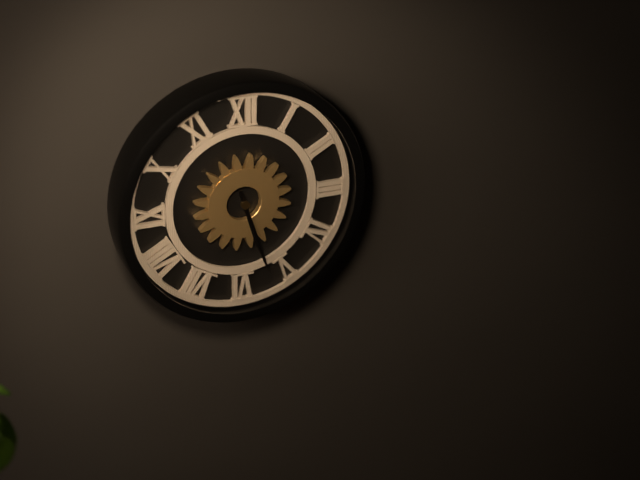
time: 5:27
